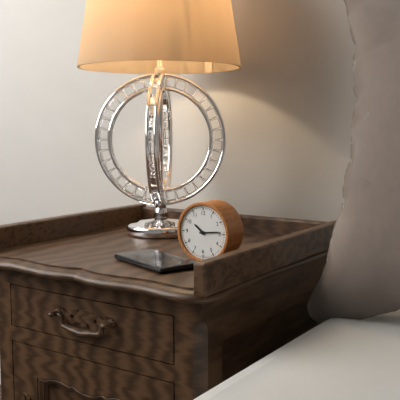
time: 10:14
